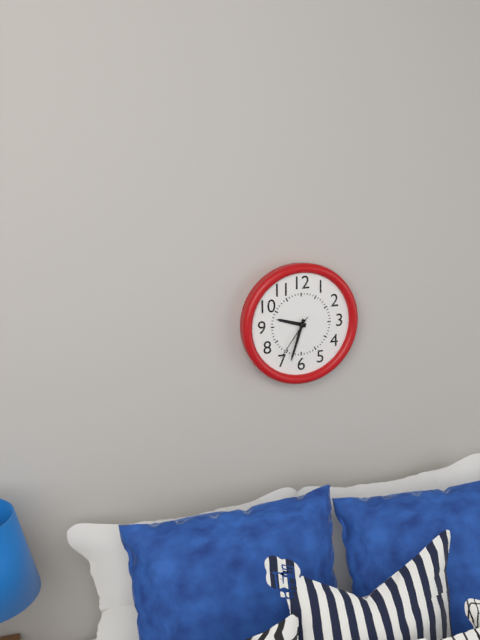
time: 9:33:36
